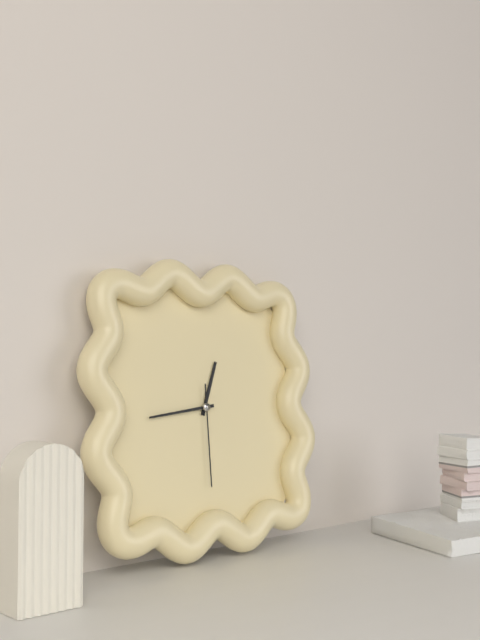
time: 12:44:30
